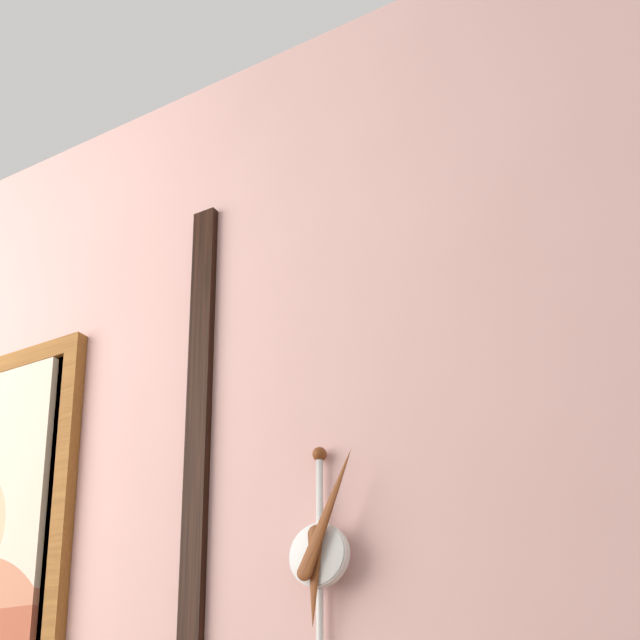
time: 6:04
